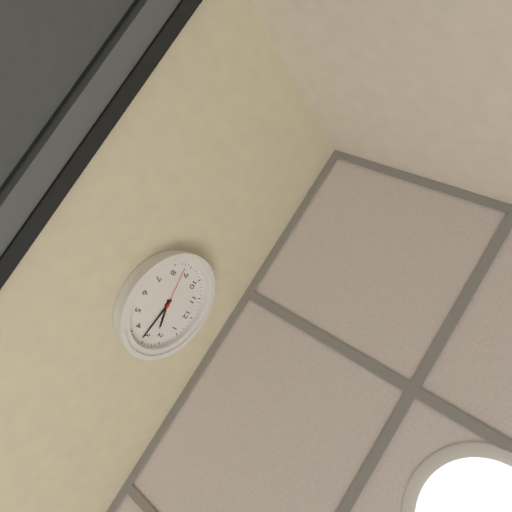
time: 2:16:43
